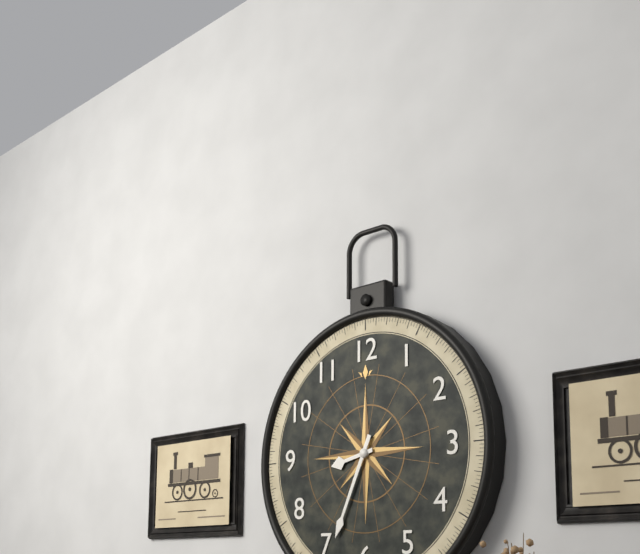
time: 8:34
